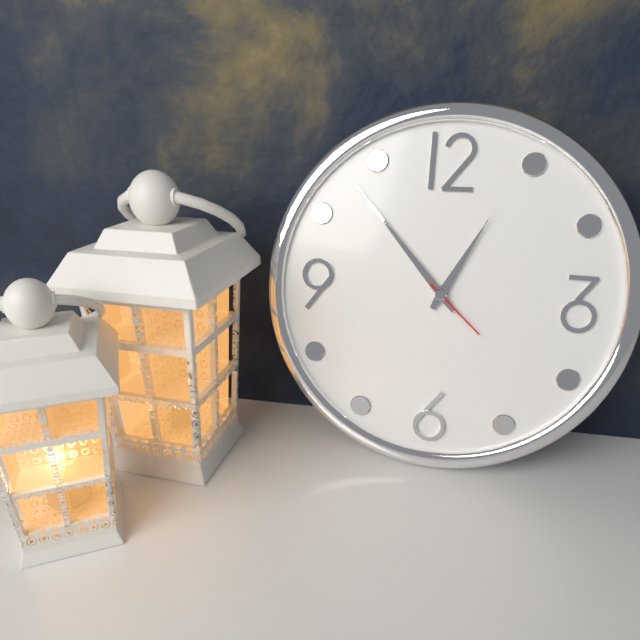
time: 12:53:22
